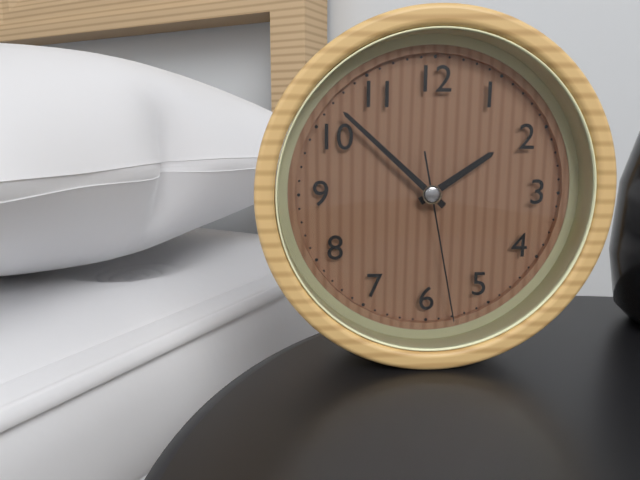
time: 1:52:28
